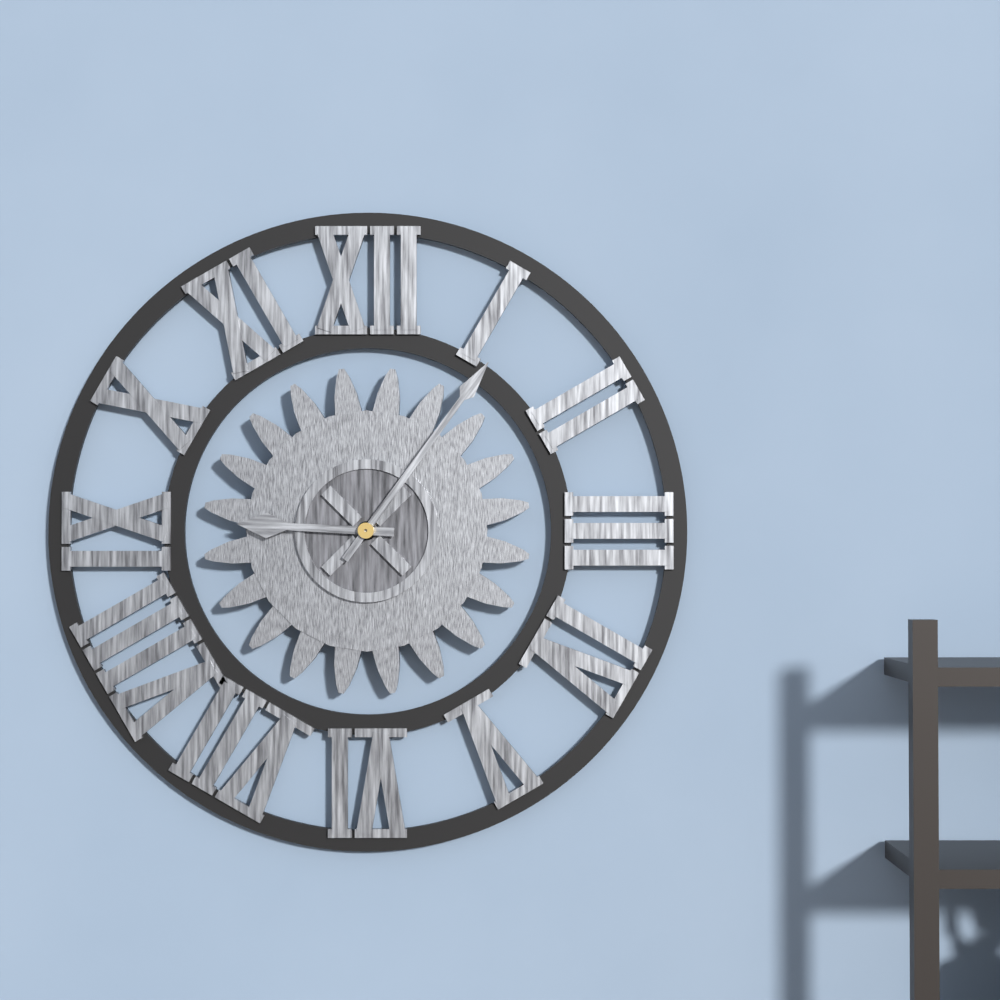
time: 9:06
